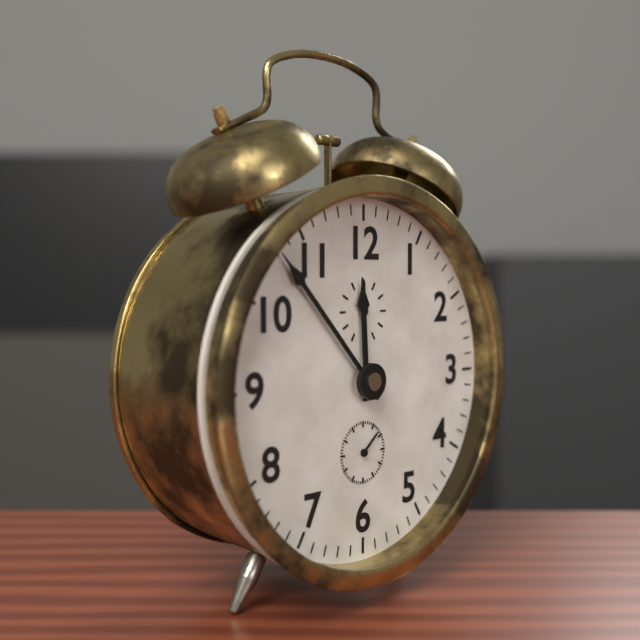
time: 11:53
